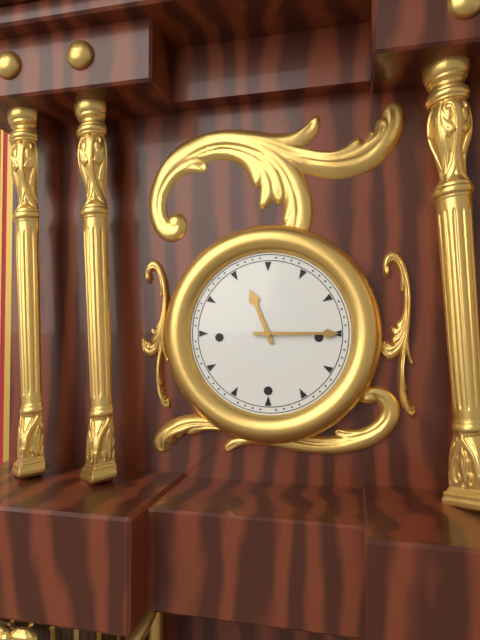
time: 11:15
